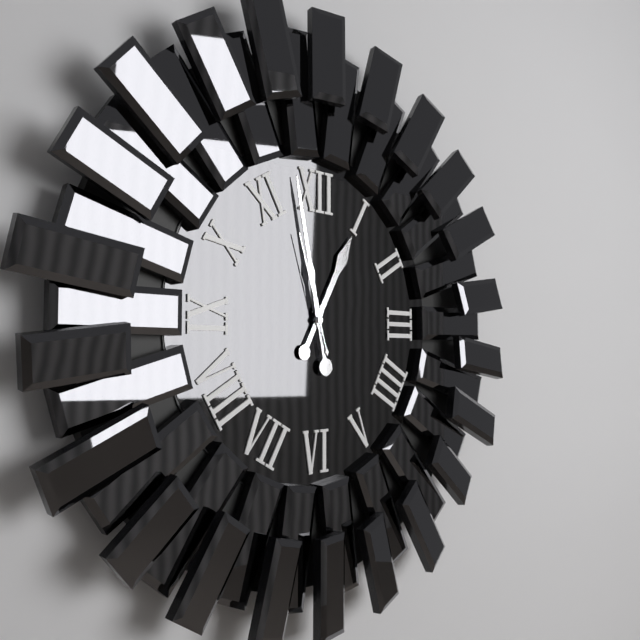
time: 12:58:57
